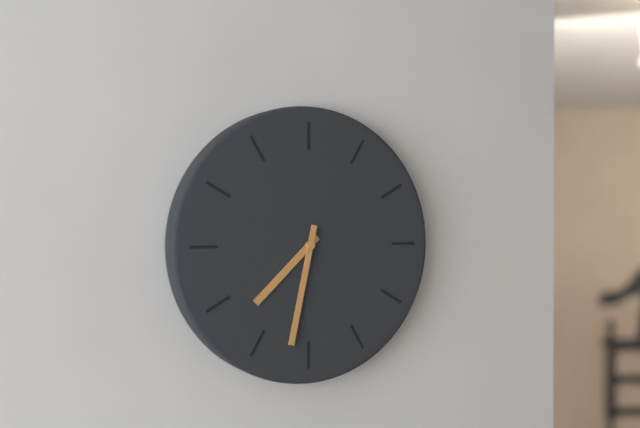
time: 7:32
